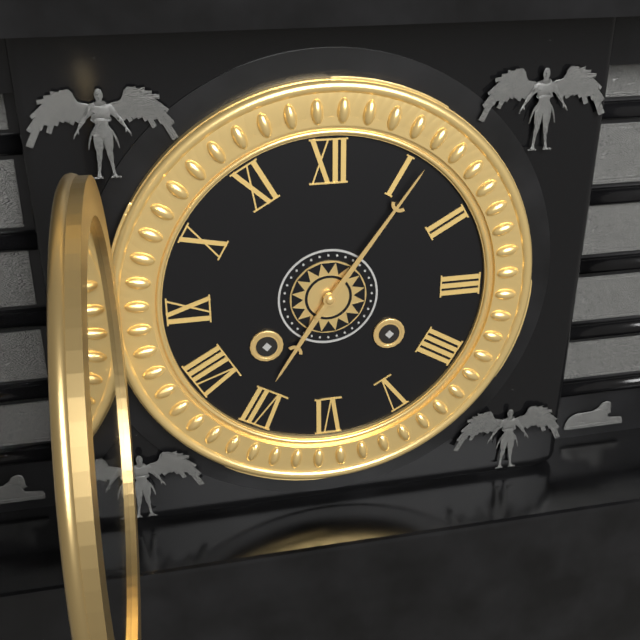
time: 7:06
